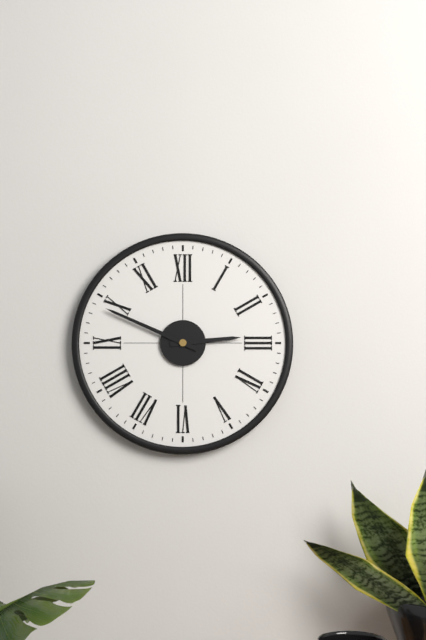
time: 2:49
